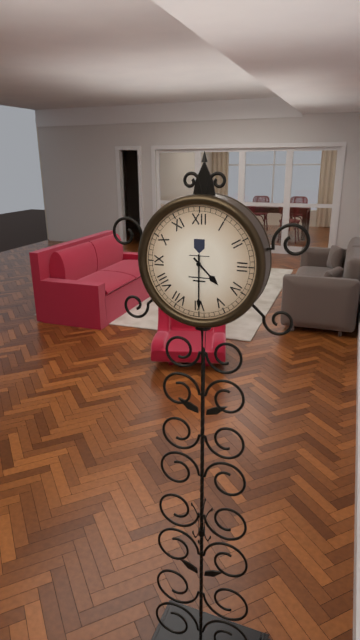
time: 4:30
